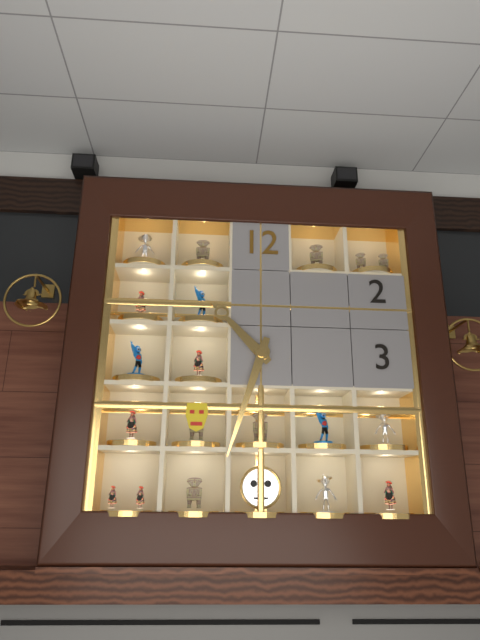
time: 10:33
